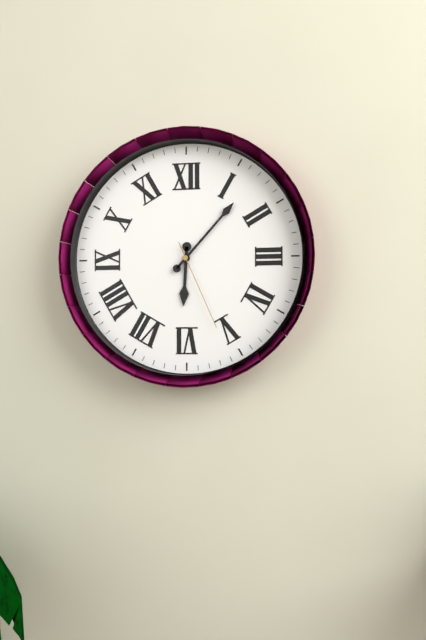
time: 6:07:26
